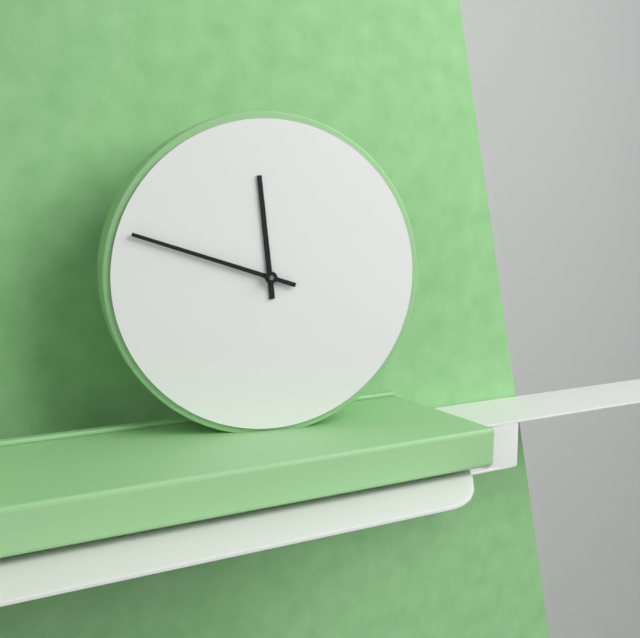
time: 11:48
